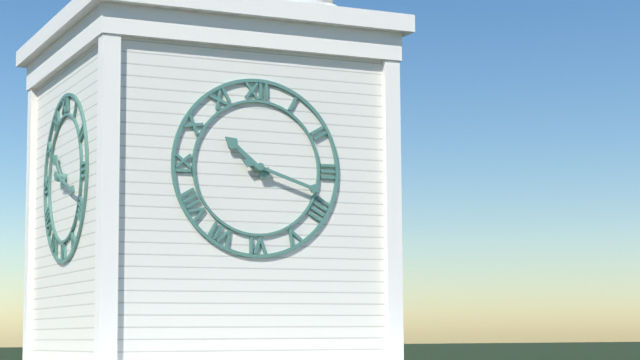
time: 10:18
